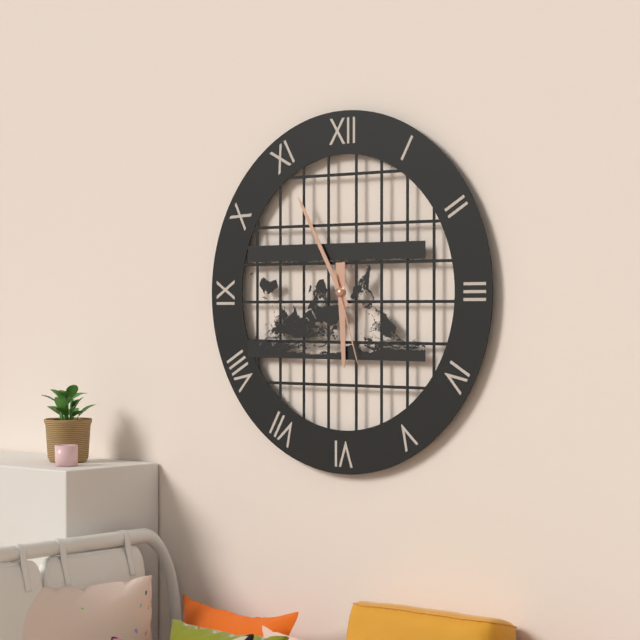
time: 5:55:27
